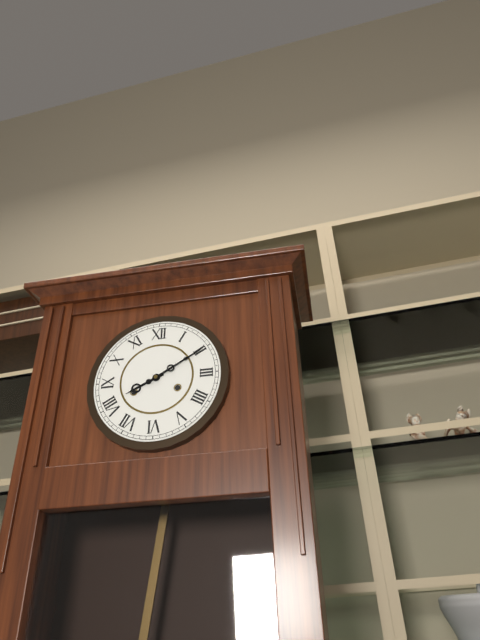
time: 8:10
